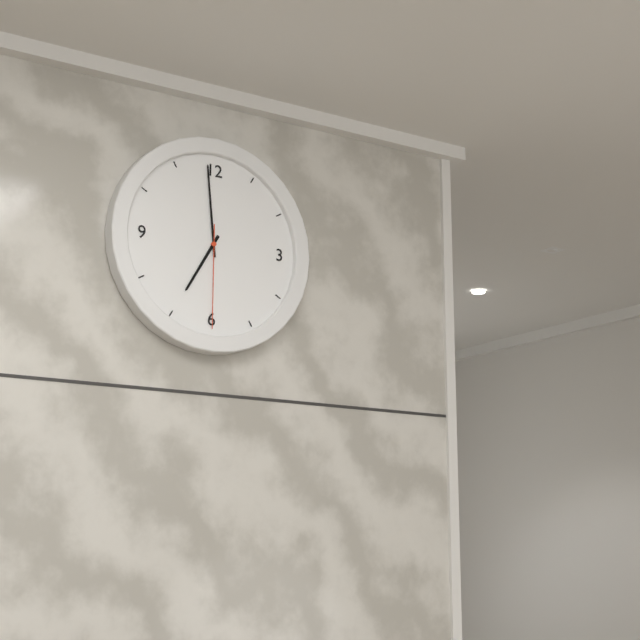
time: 6:59:30
